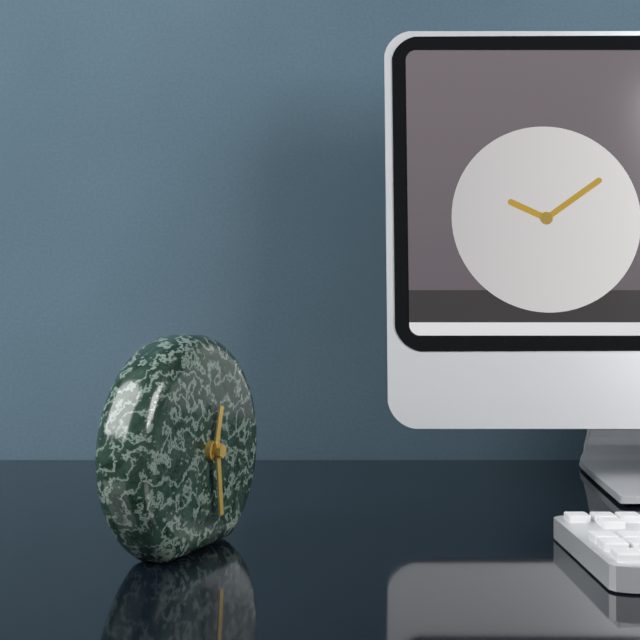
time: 12:29
